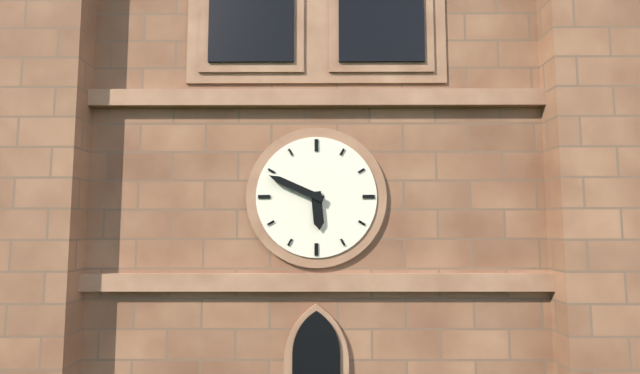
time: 5:49
